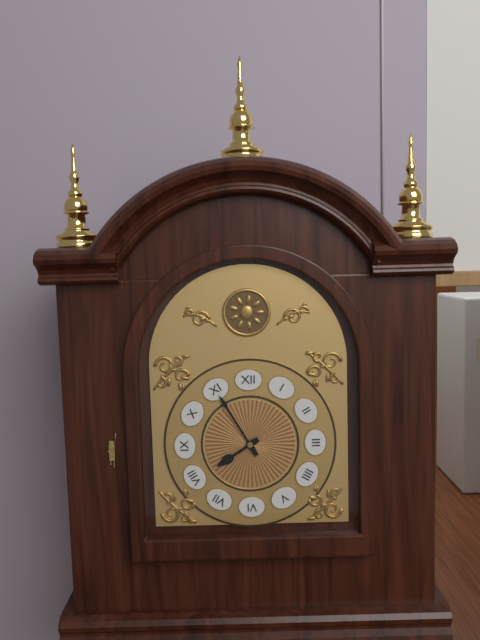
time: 7:55
